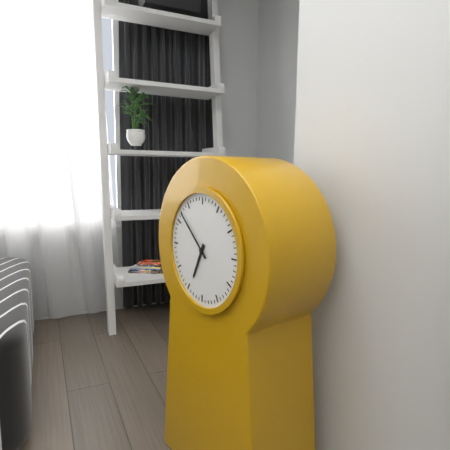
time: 6:52
